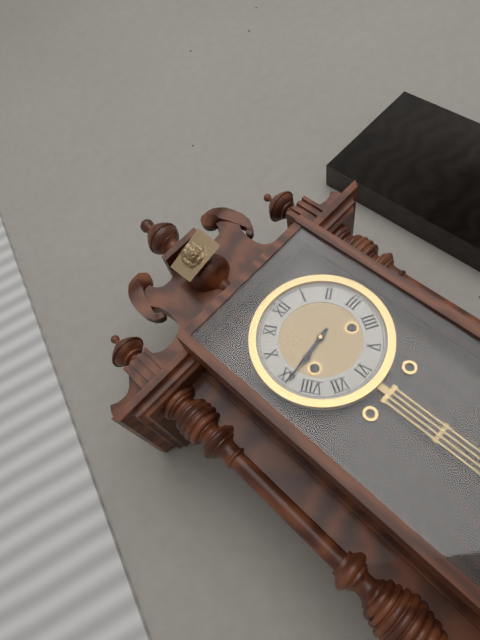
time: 8:44
